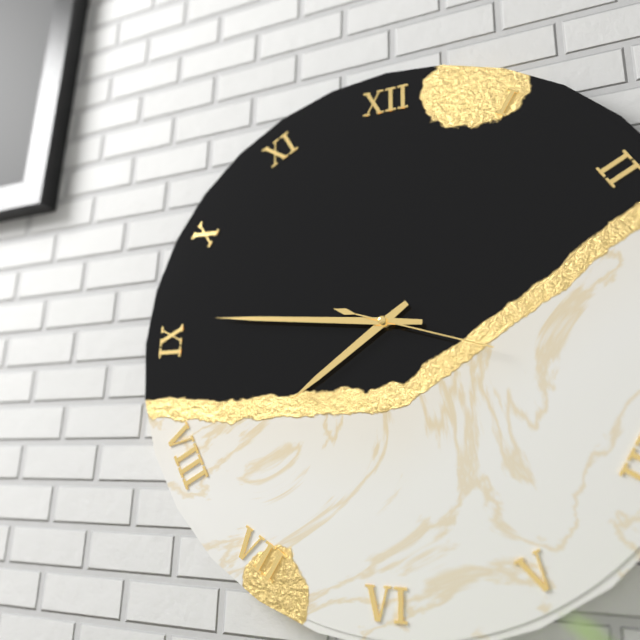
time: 7:46:18
